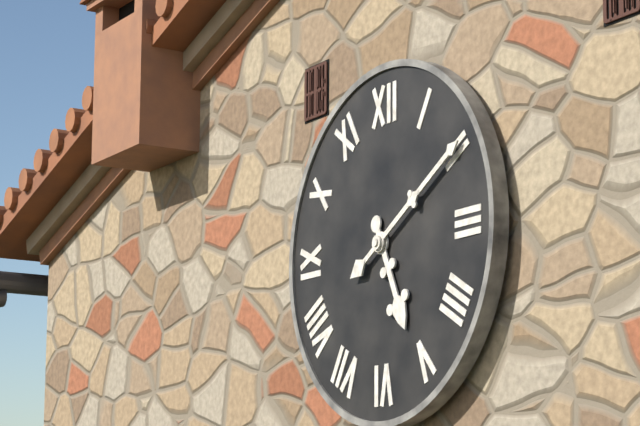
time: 5:10
